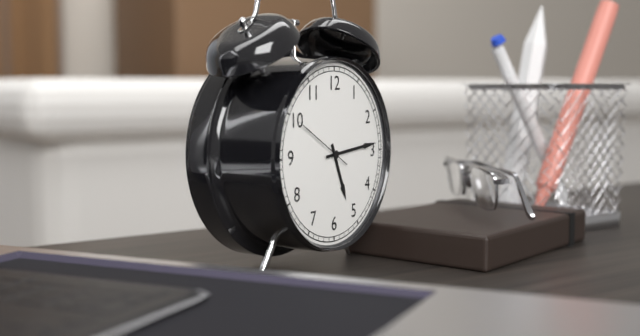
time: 5:14:50
